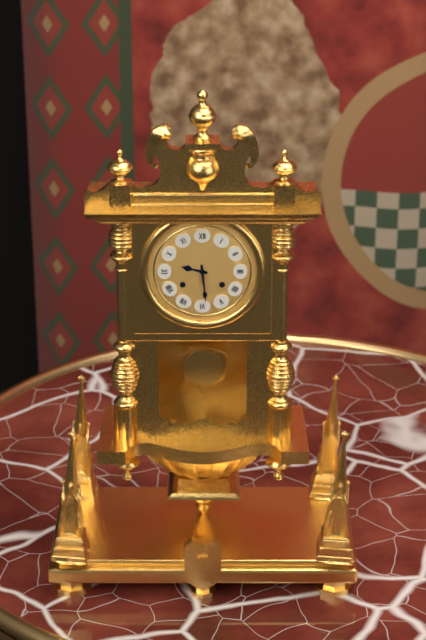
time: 9:29
